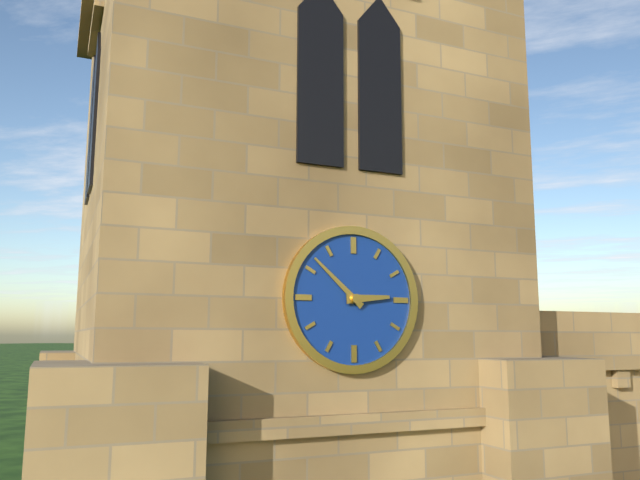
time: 2:52
